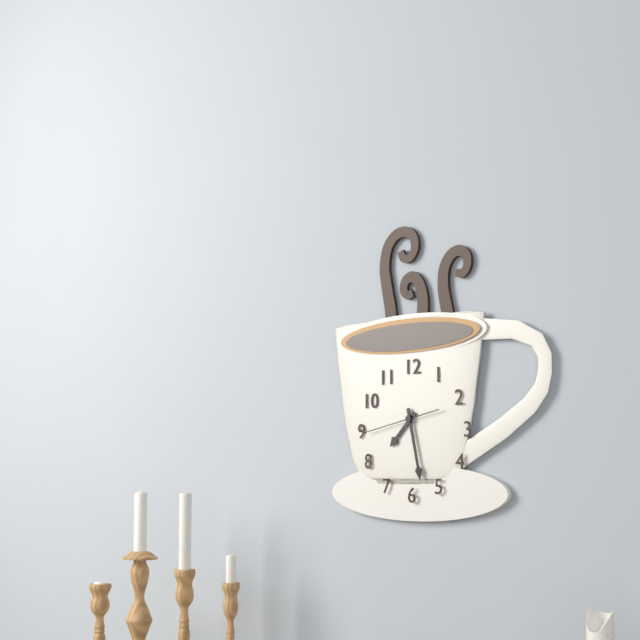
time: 7:28:43
